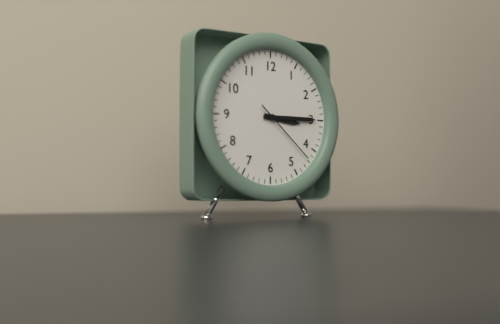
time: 3:15:22
